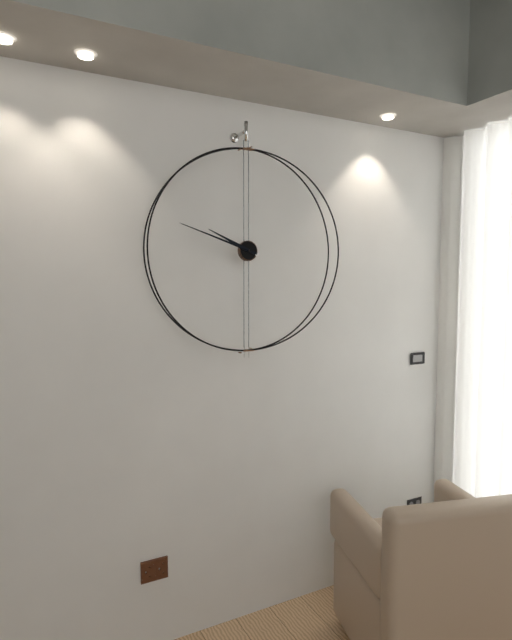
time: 9:48
